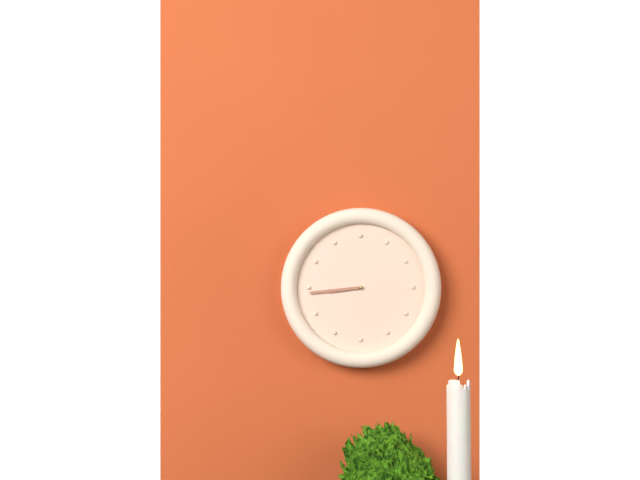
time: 8:44
